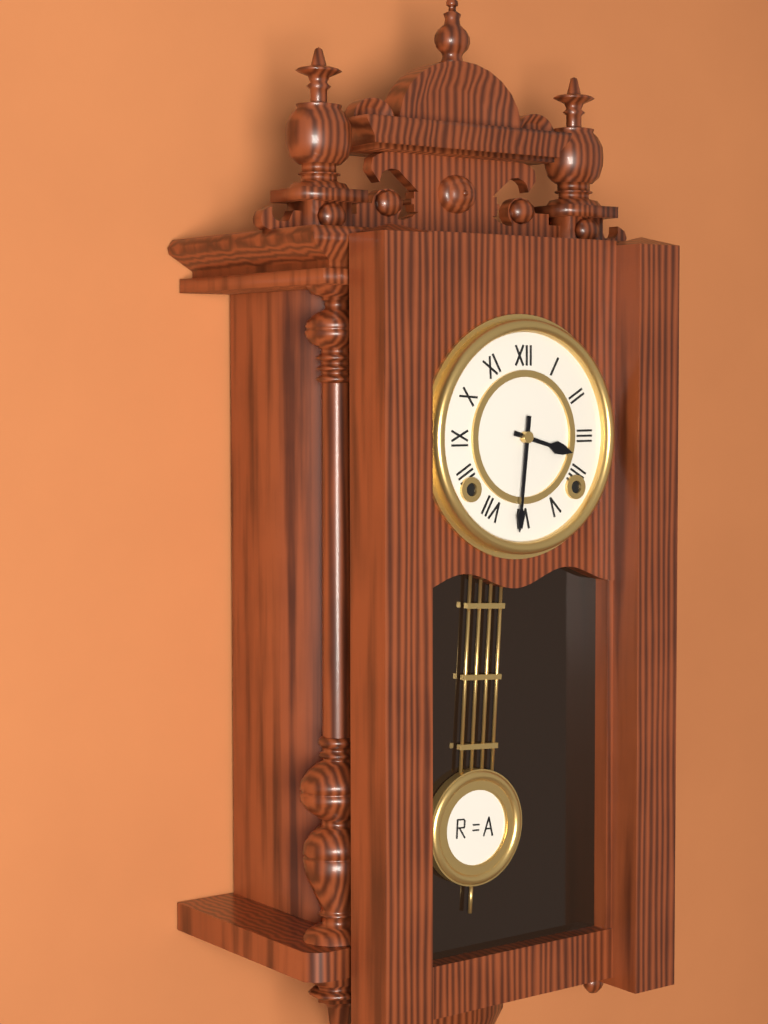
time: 3:31
